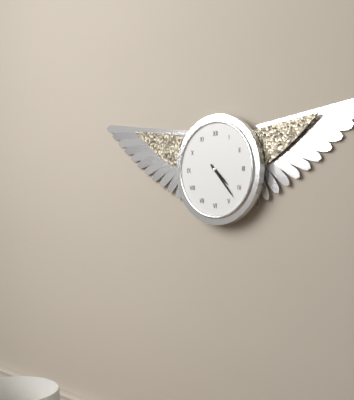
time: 4:23
